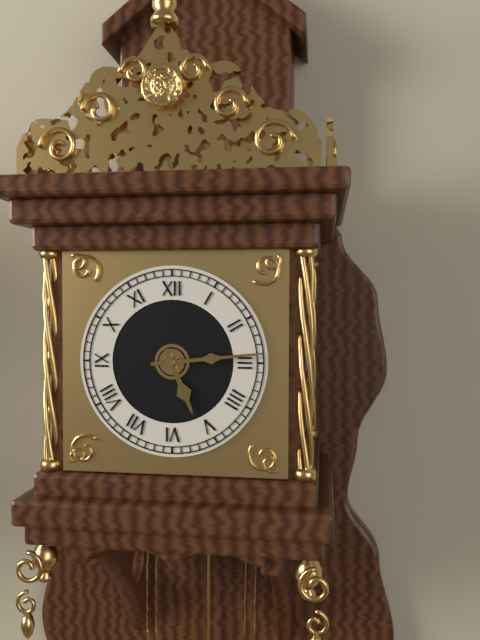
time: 5:14
